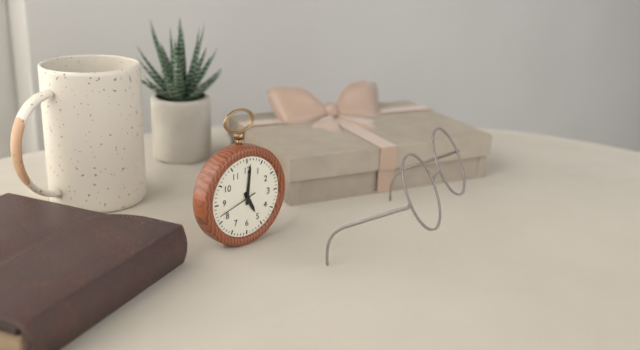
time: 5:01
